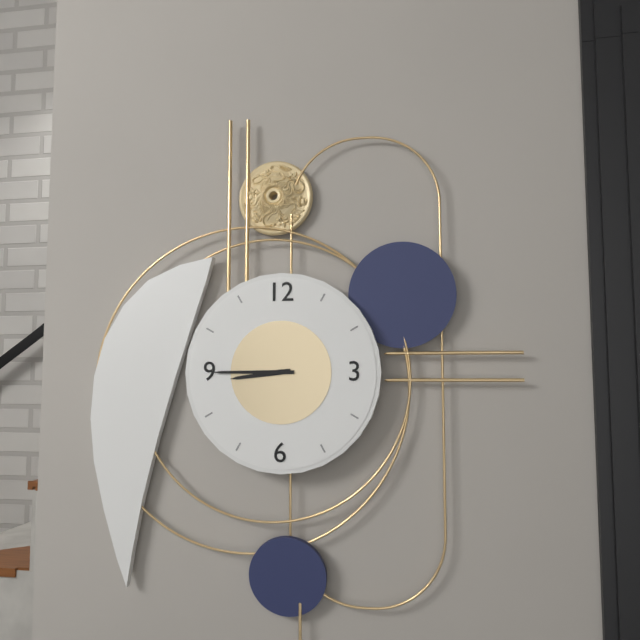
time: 8:45
